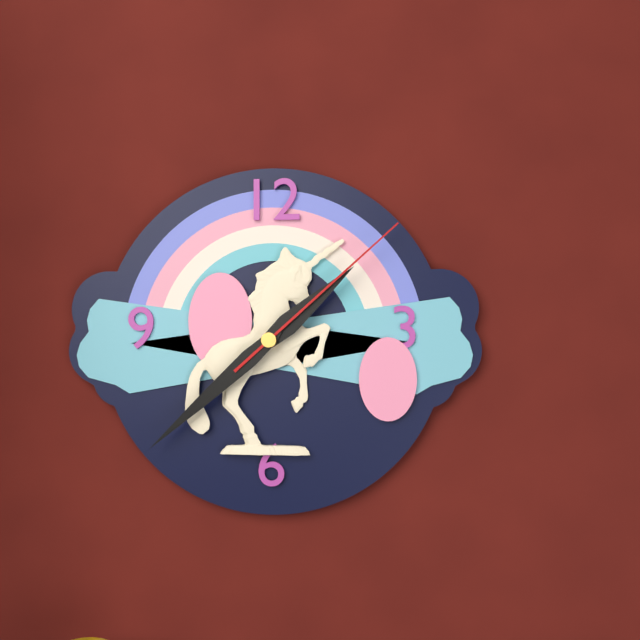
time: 1:38:08
